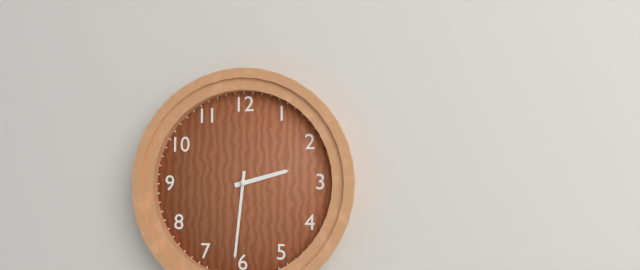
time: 2:31
